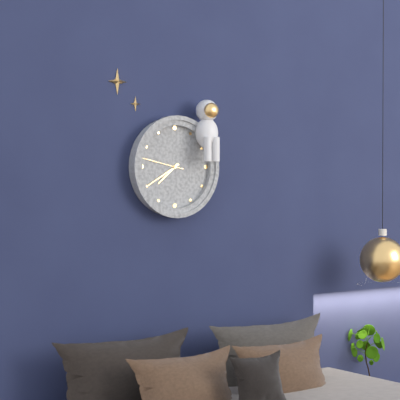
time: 7:40
